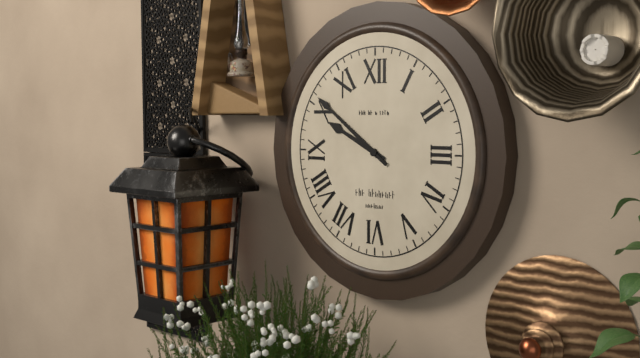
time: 9:51
